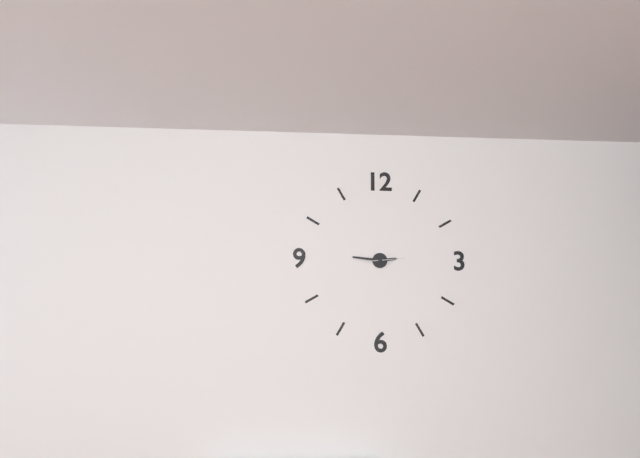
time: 2:46
